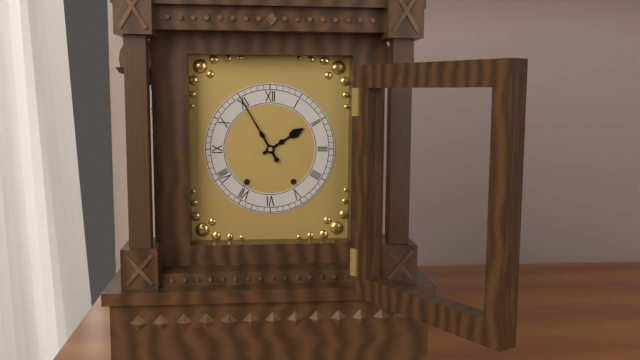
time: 1:55
